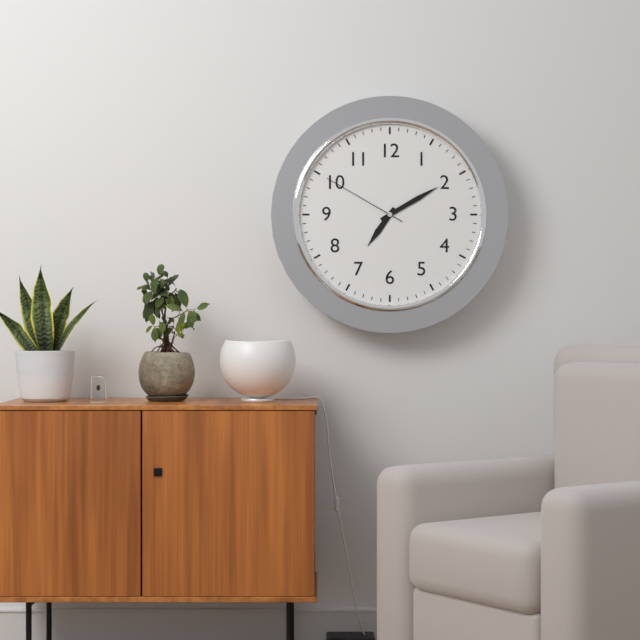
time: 7:10:50
